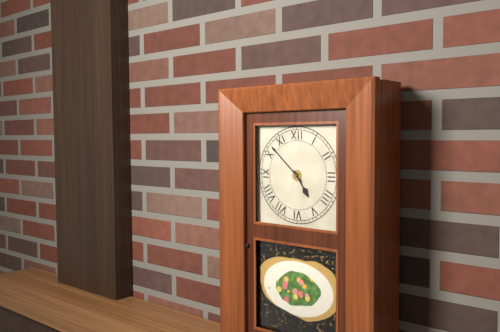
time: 4:52
